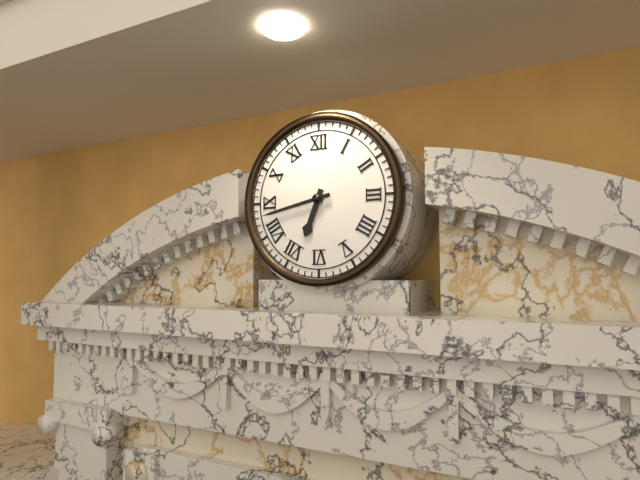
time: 6:43
